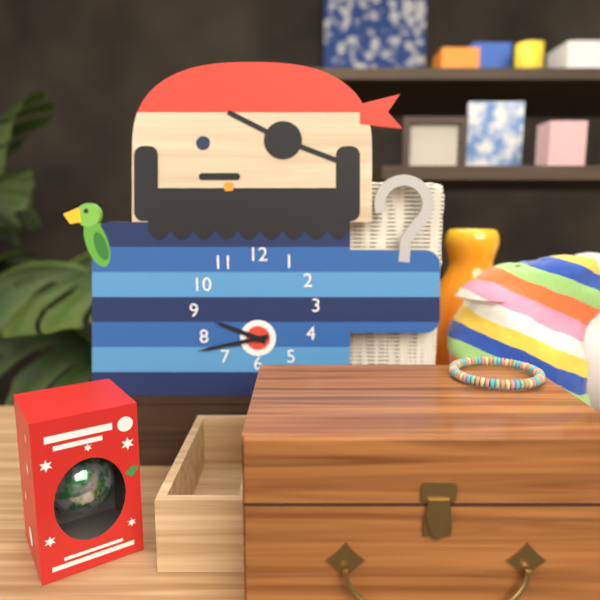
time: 9:43
